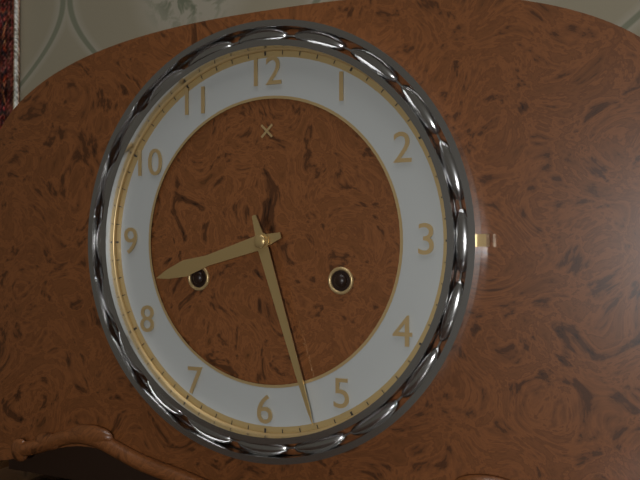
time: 8:27
